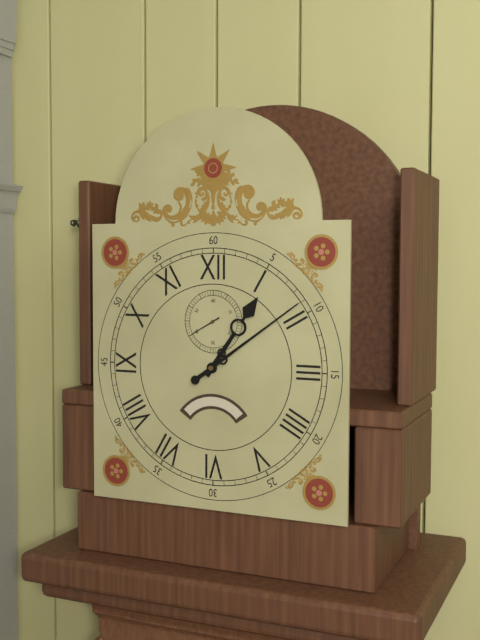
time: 1:09
